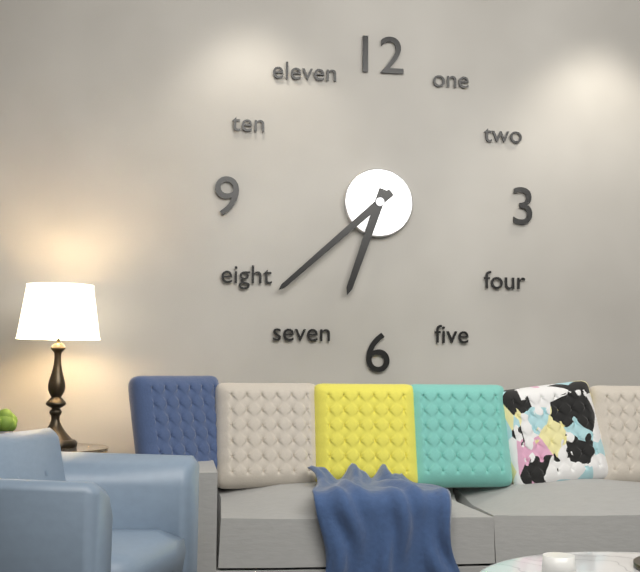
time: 6:38
